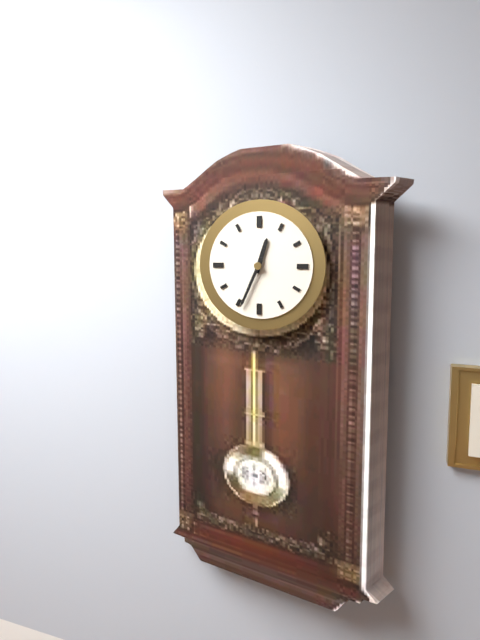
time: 12:34
